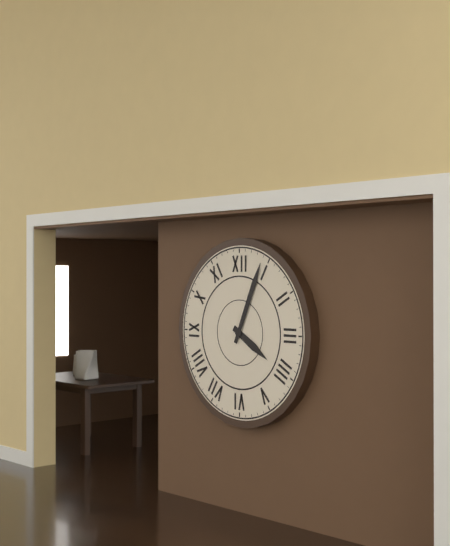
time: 4:04
